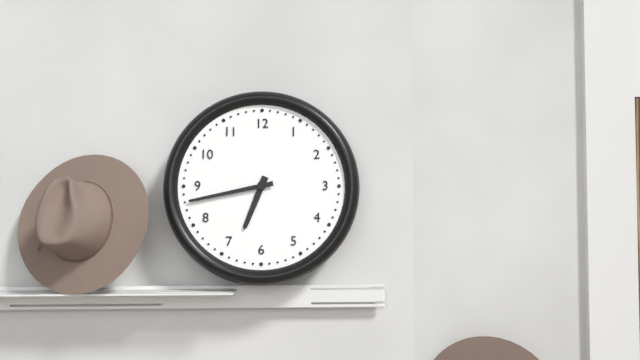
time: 6:43
